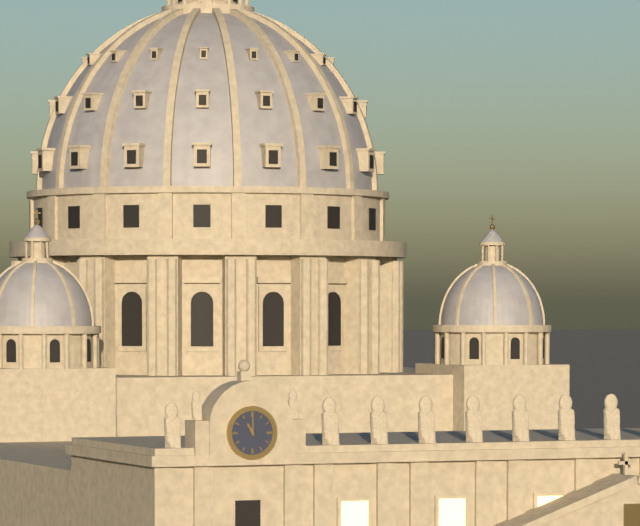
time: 11:00
